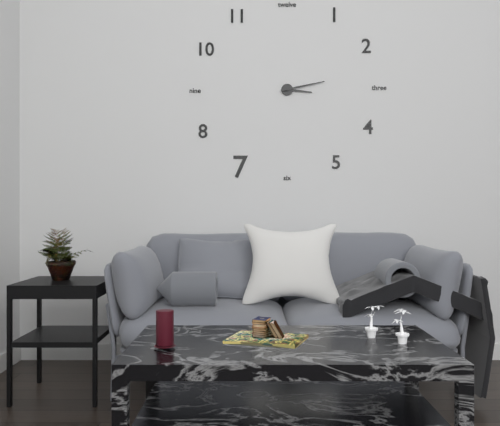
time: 3:13
